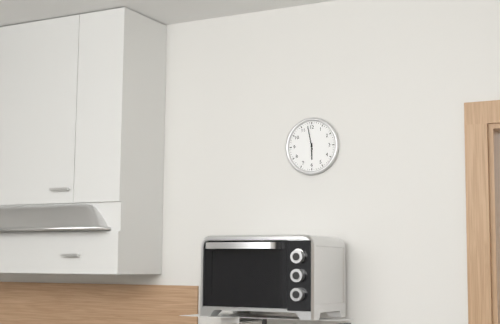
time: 5:58
